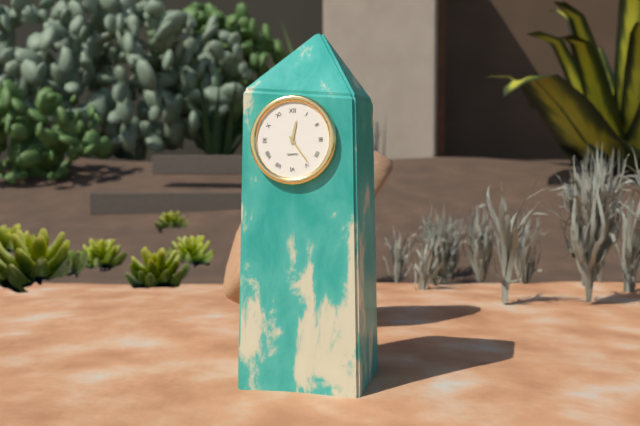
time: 12:24
